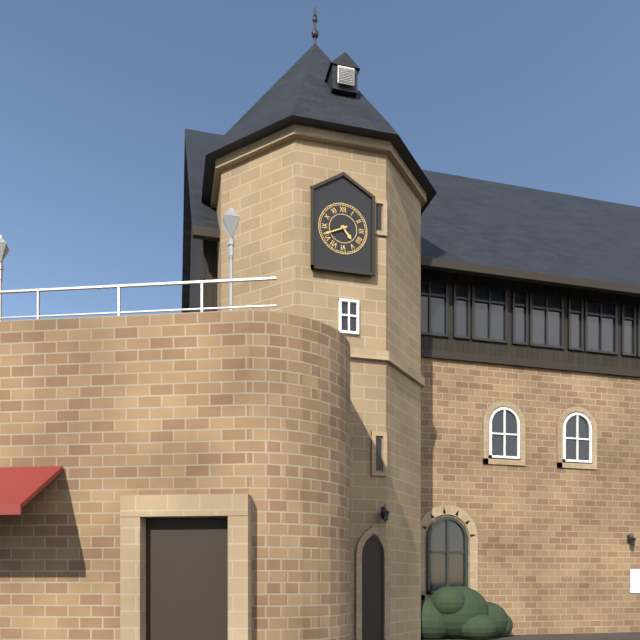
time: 4:41
